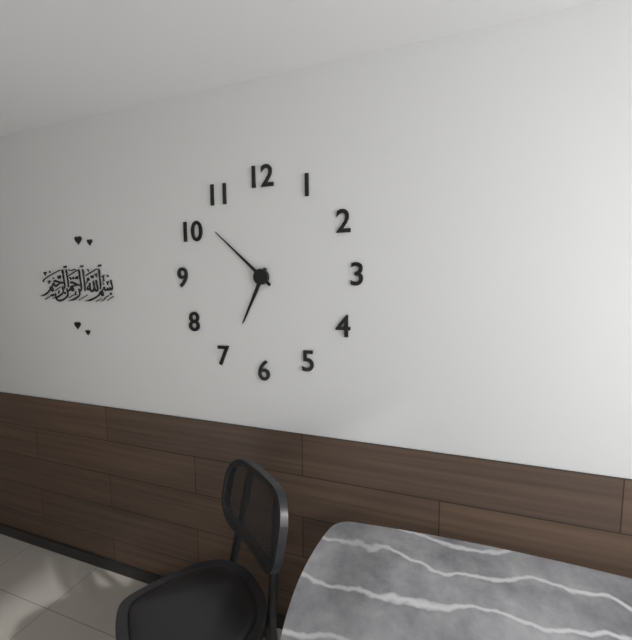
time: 6:52
